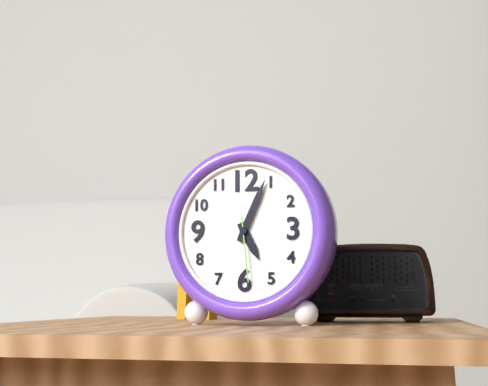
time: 5:04:29
